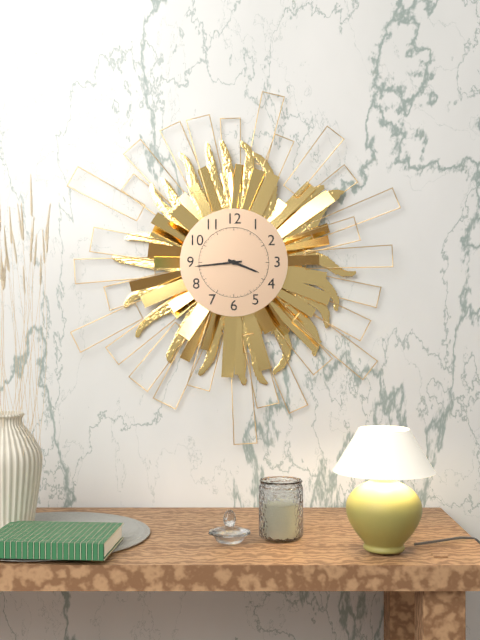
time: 3:44
